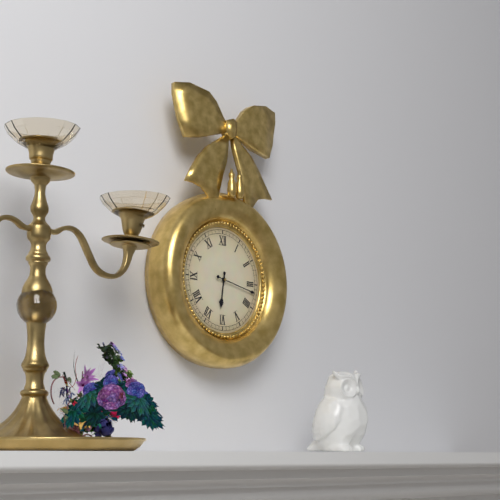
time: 6:17
